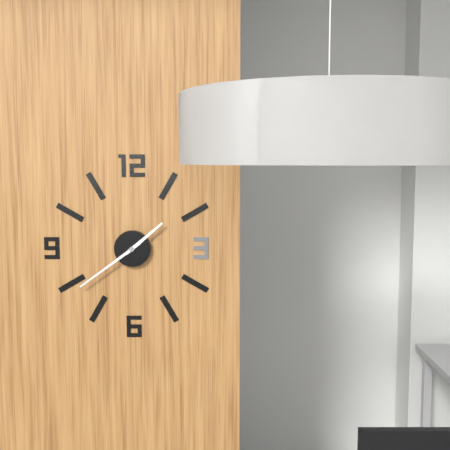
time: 1:39
